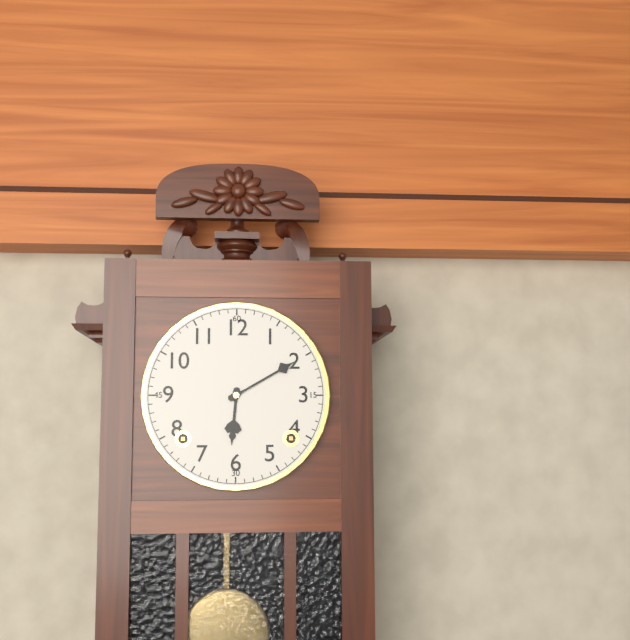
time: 6:10
